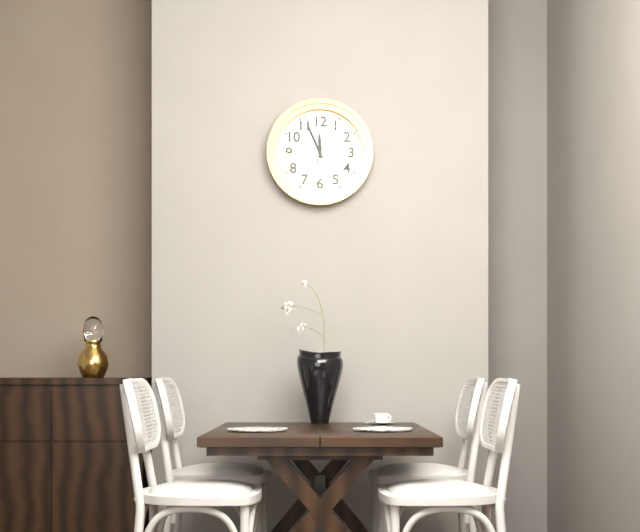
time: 11:56
